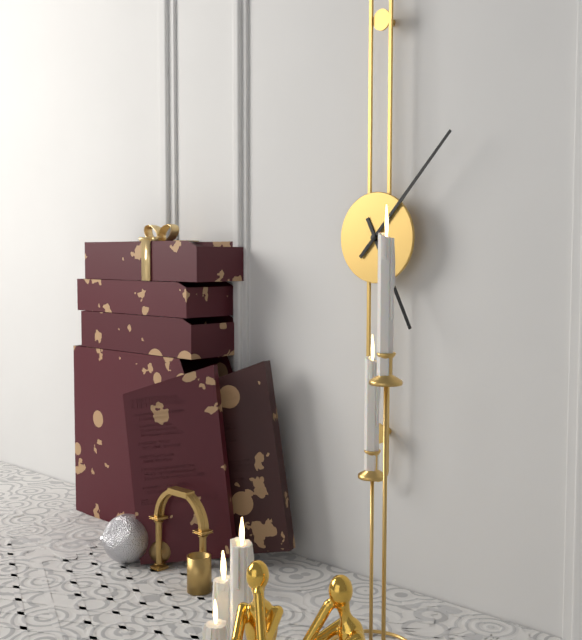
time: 5:07
